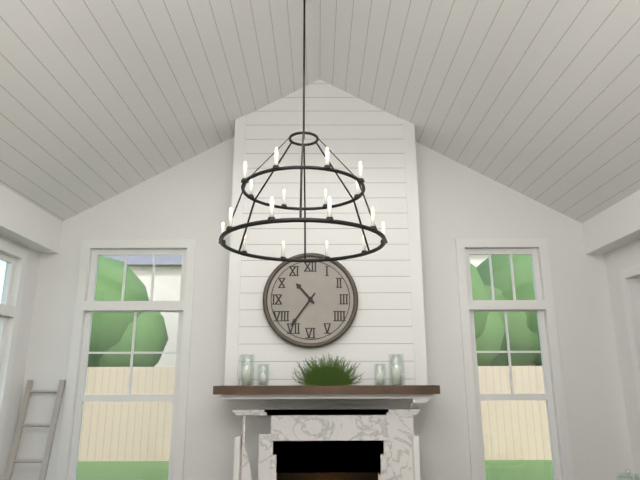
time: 10:36
